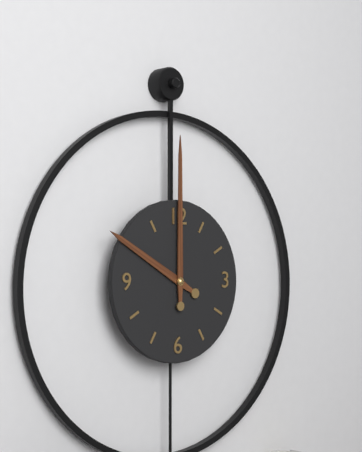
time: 10:00
